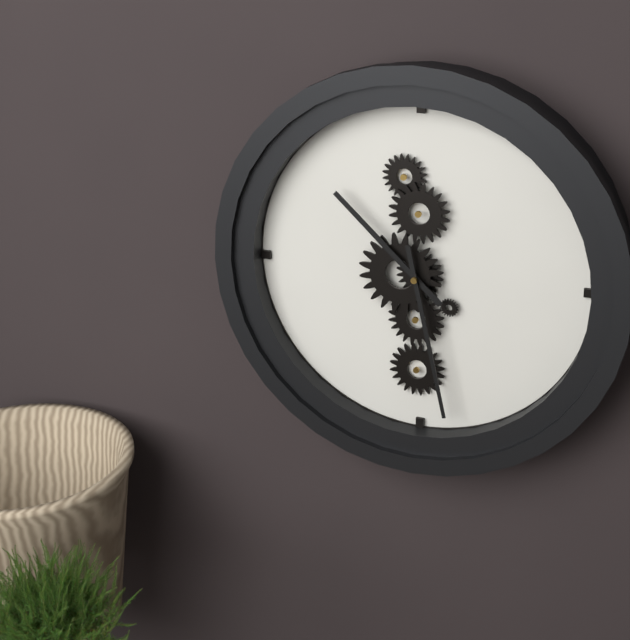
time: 10:28
